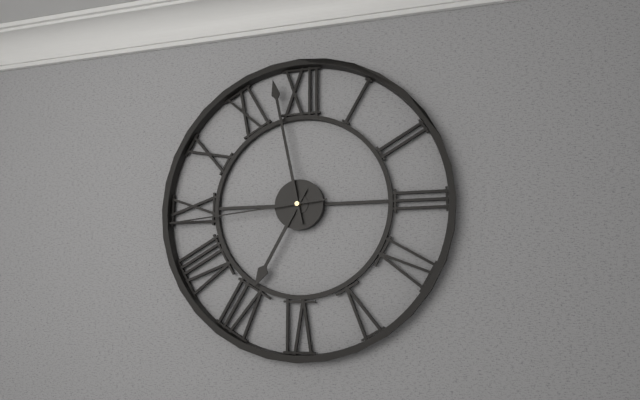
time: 6:58:44
